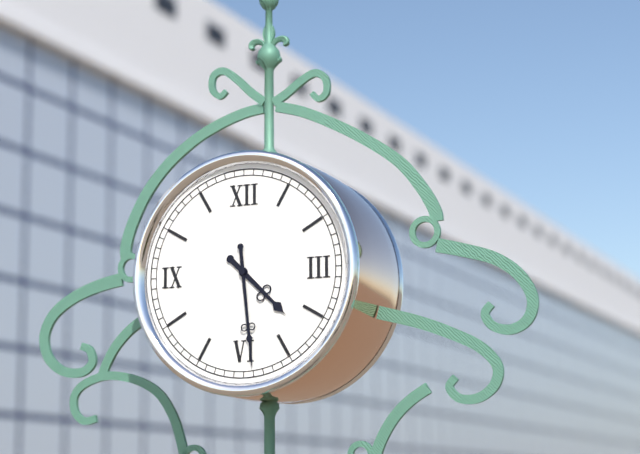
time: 4:29
